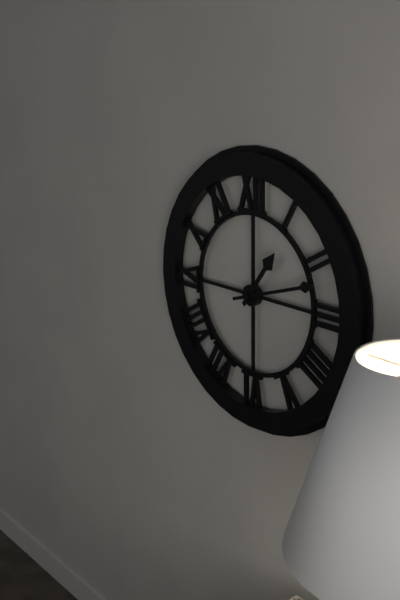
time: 1:12
